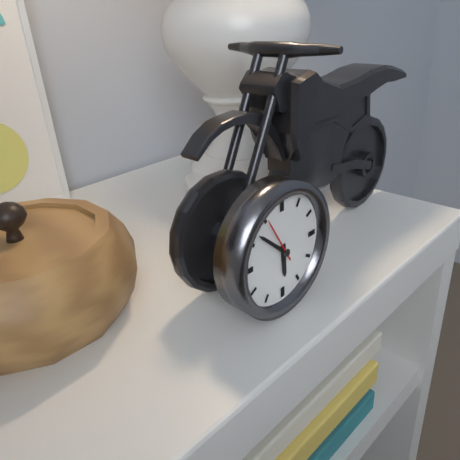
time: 5:52
